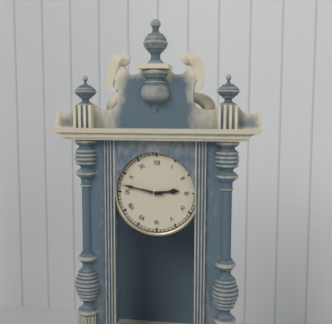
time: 2:47
